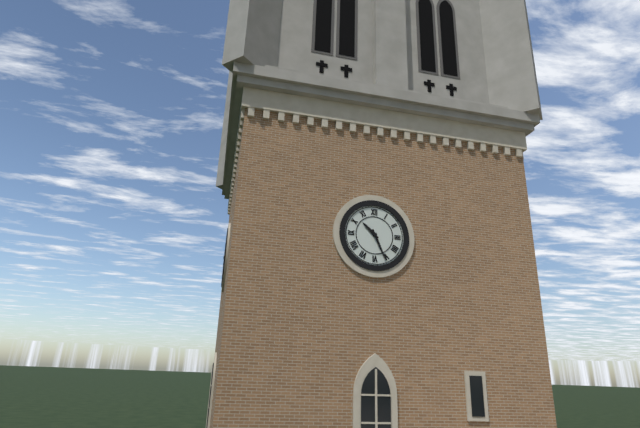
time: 10:26
